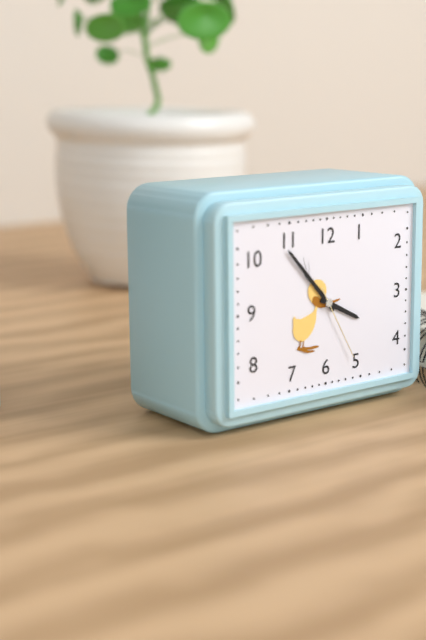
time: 3:53:25
